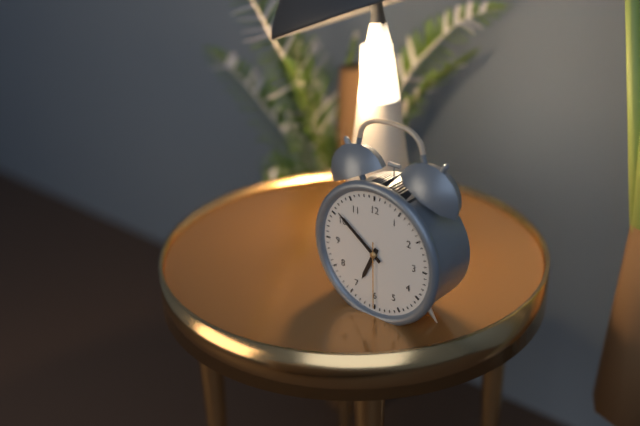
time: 6:51:30
